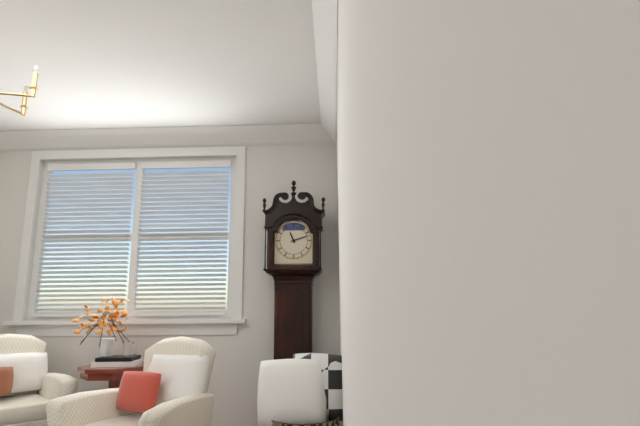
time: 11:12
